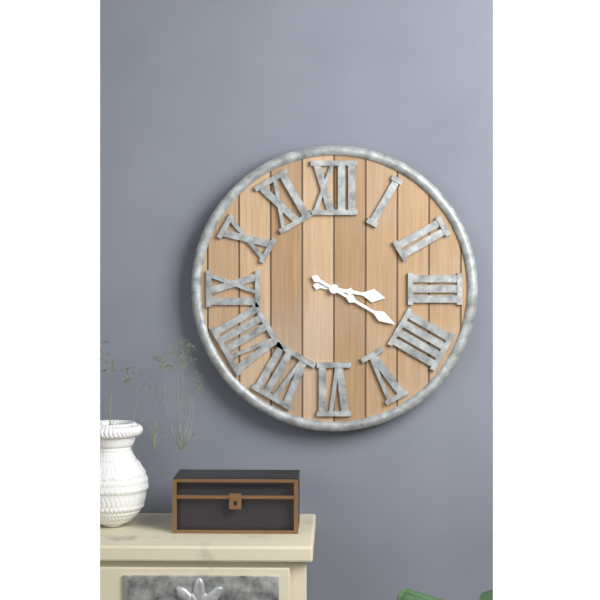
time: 3:20
